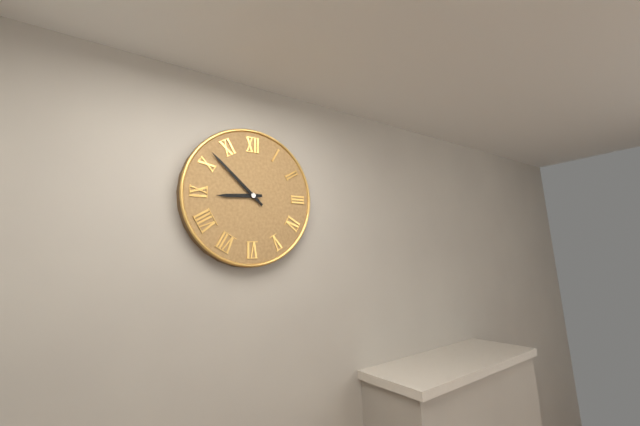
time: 8:52
